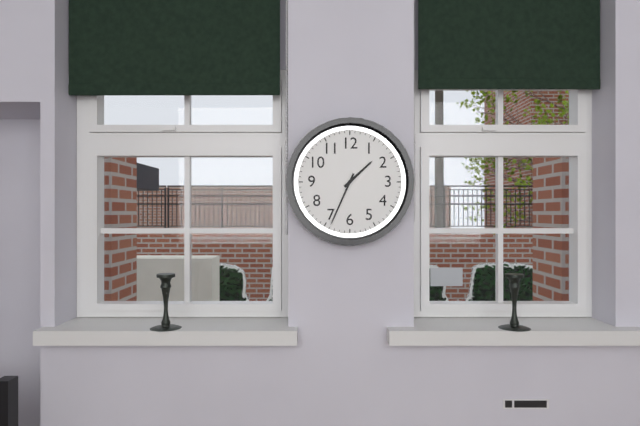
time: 1:34
